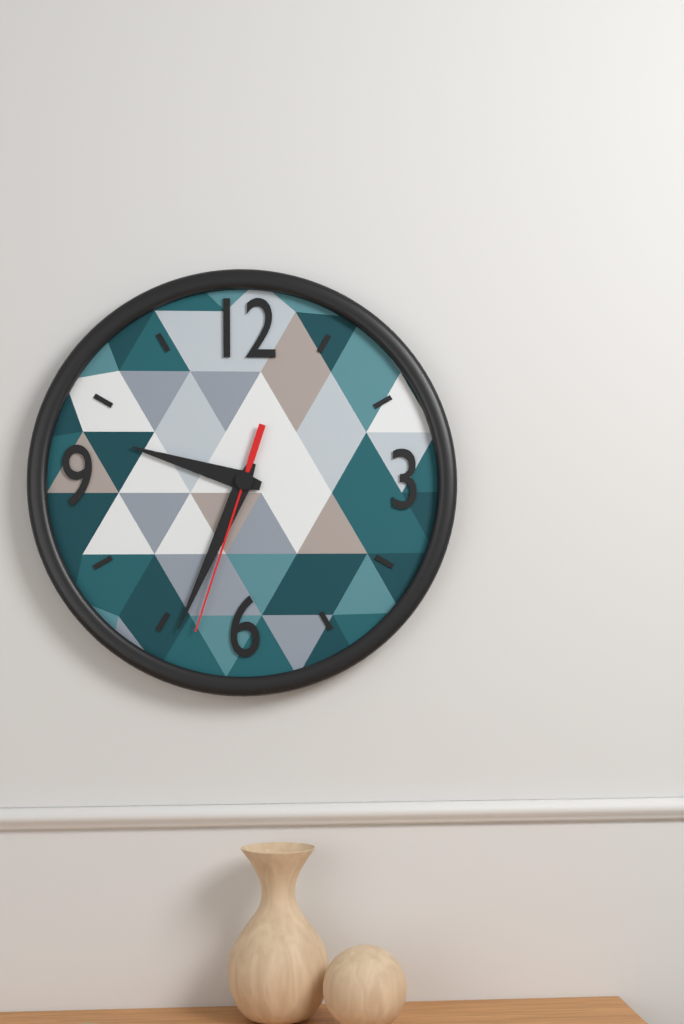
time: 9:34:33
